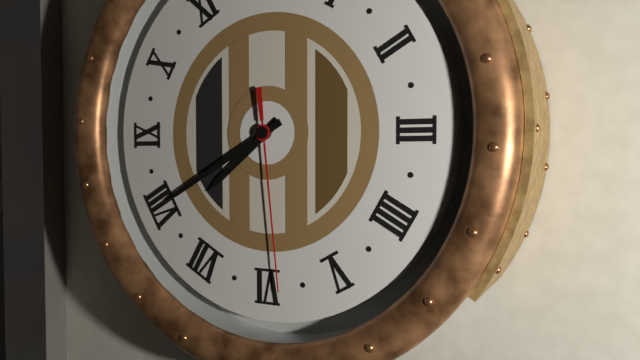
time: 7:40:29
